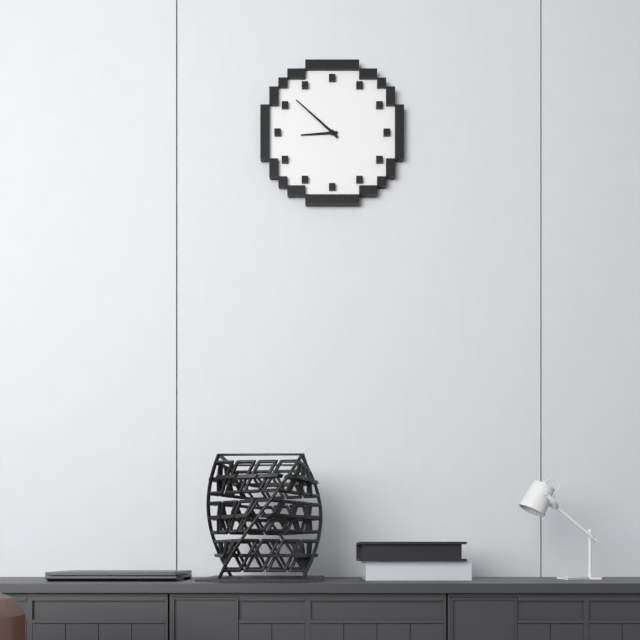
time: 8:52
